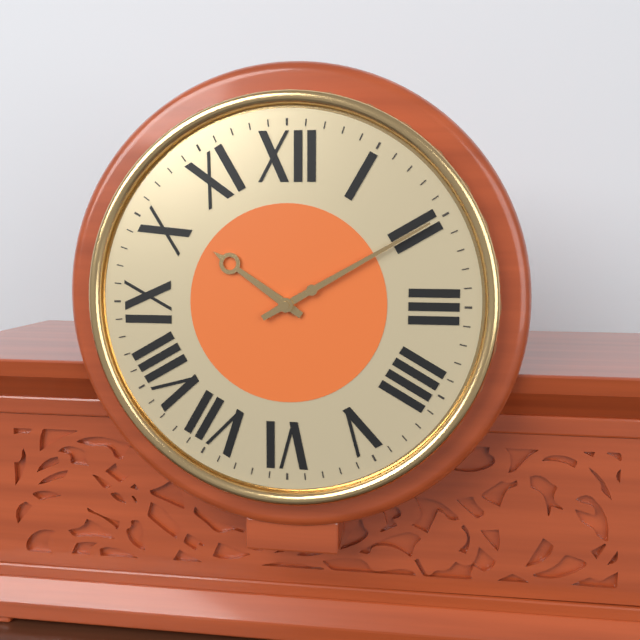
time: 10:10
